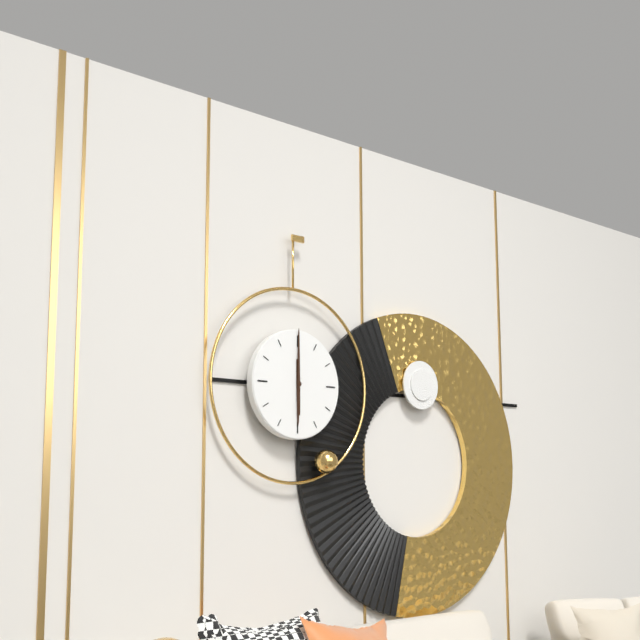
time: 6:00
